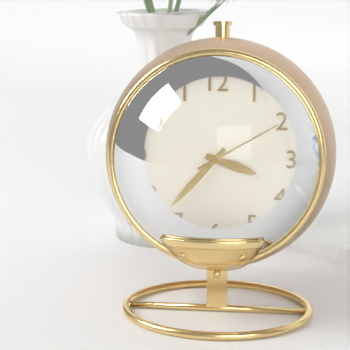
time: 3:37:10
